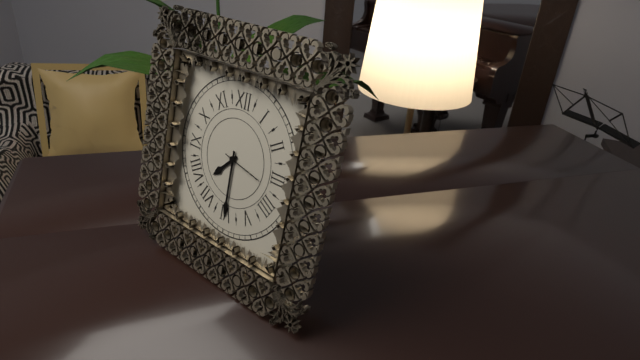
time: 7:30
